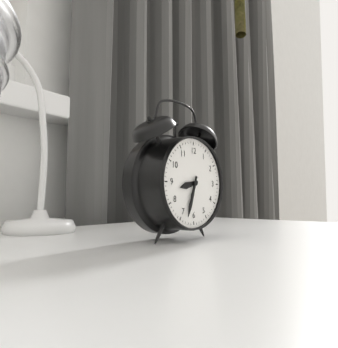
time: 8:33
